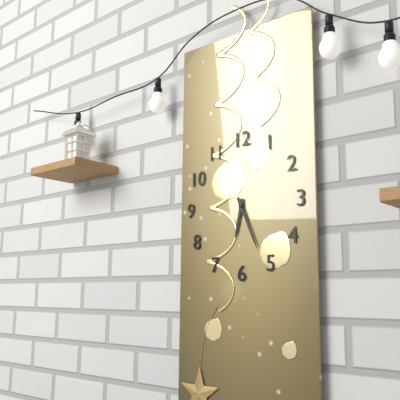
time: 6:26
